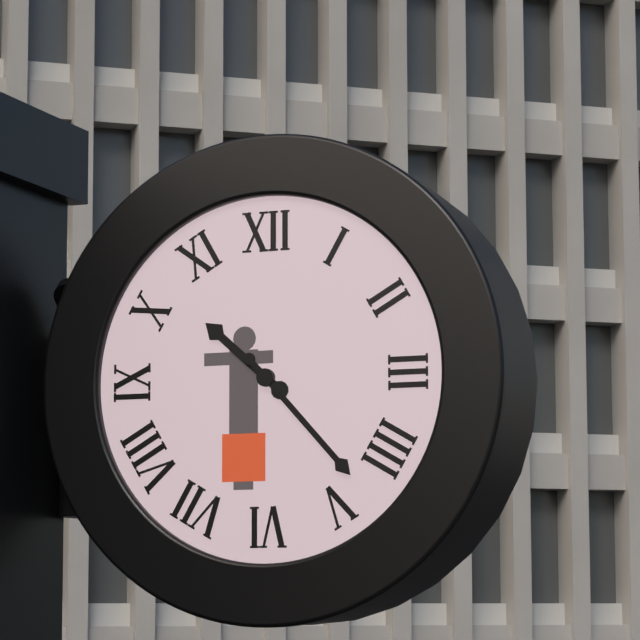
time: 10:23
